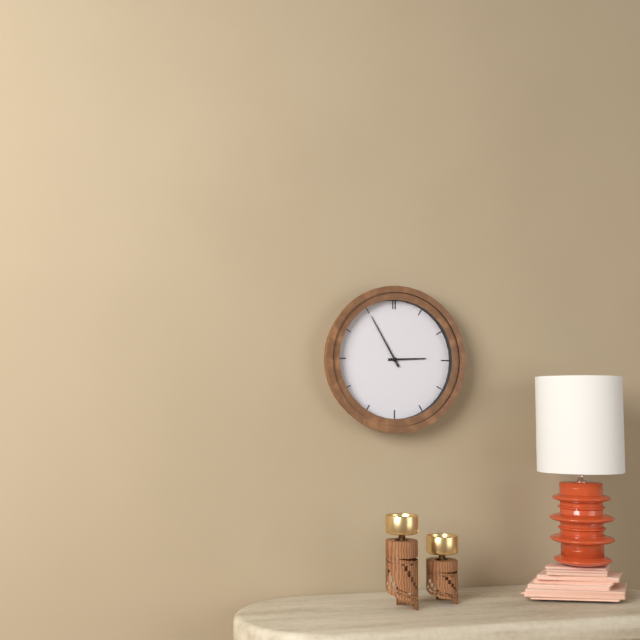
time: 2:55
